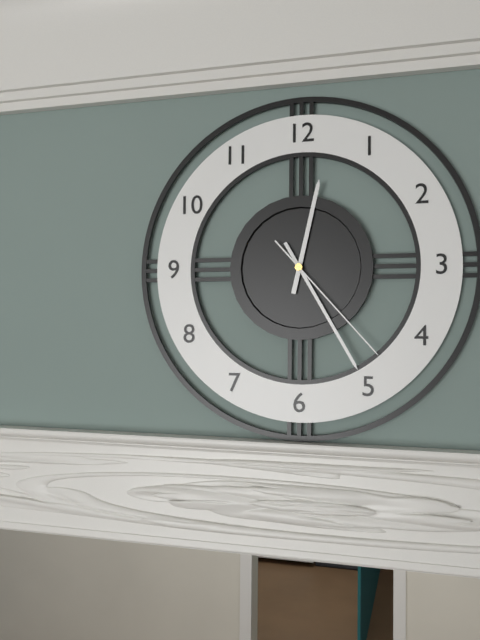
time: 12:25:23
